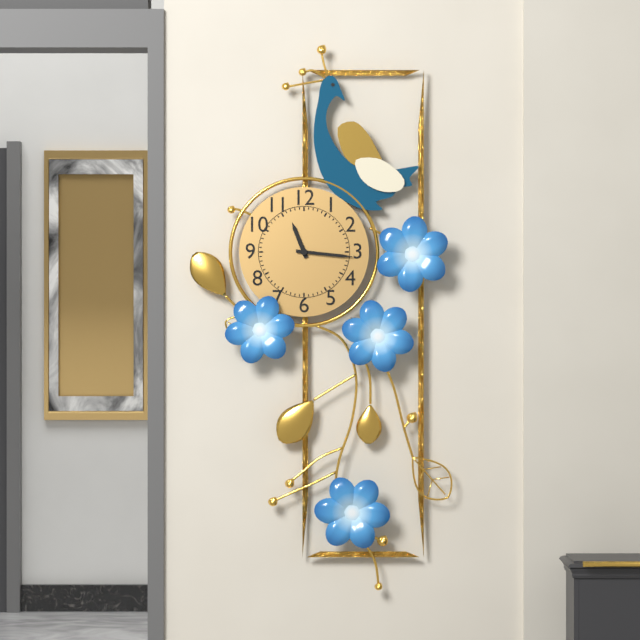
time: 11:16
